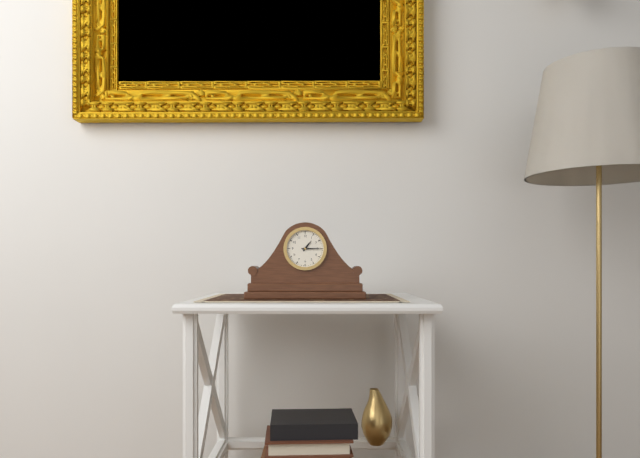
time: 1:15
